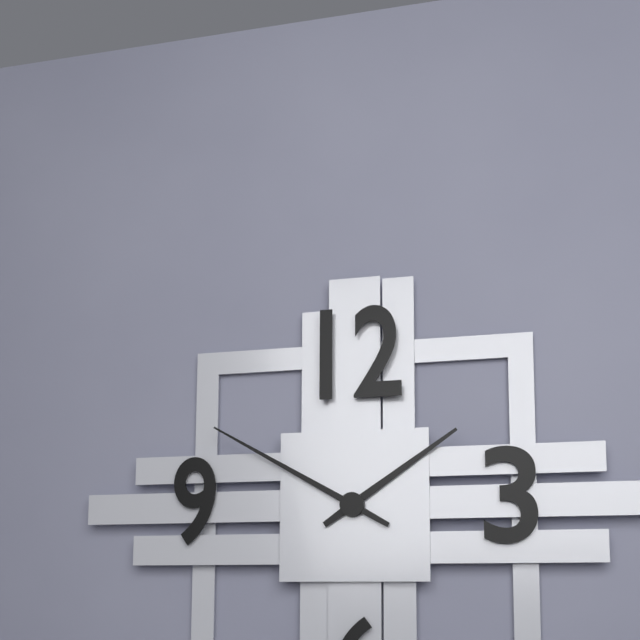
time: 1:50
